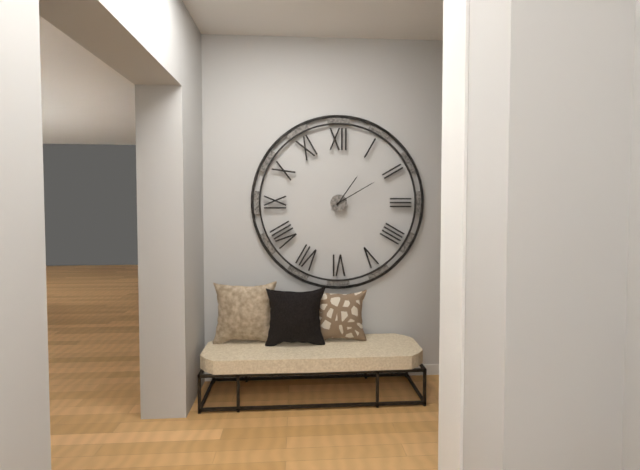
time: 1:10
